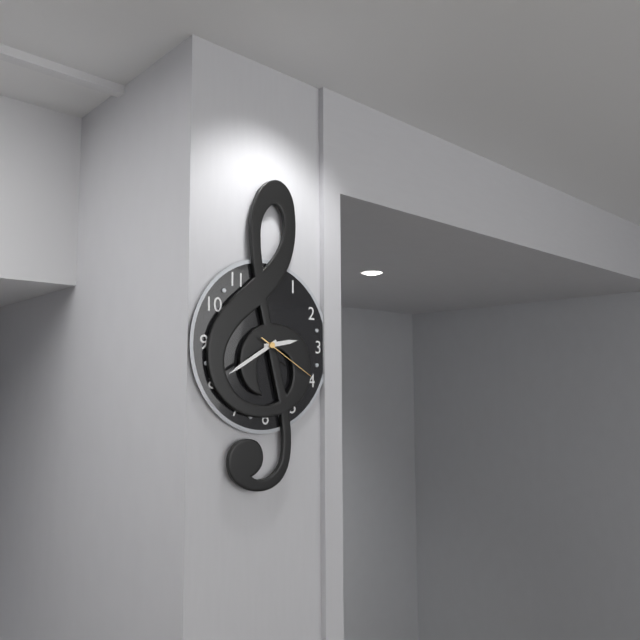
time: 2:40:20
